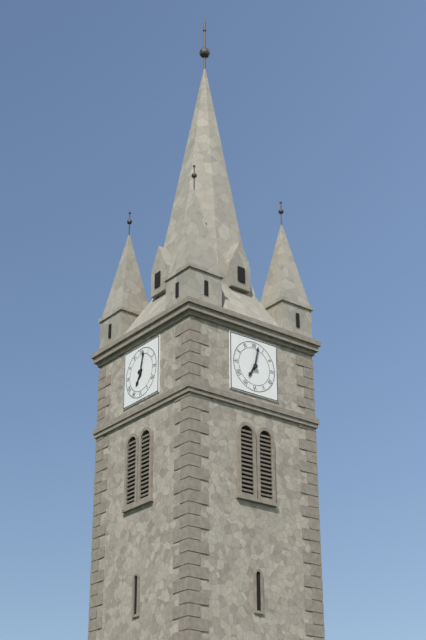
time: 7:02
